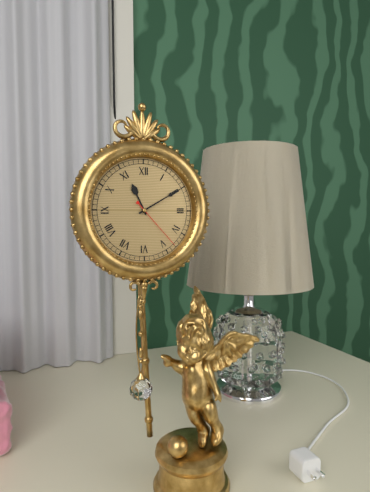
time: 11:10:23
